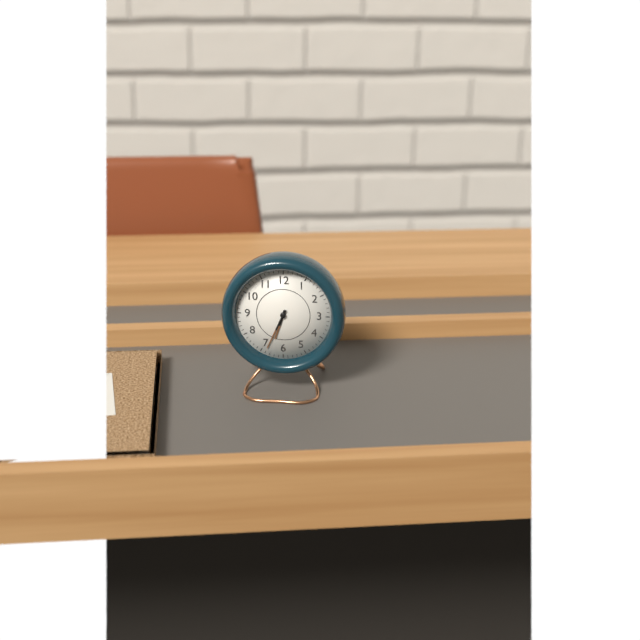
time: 6:34
